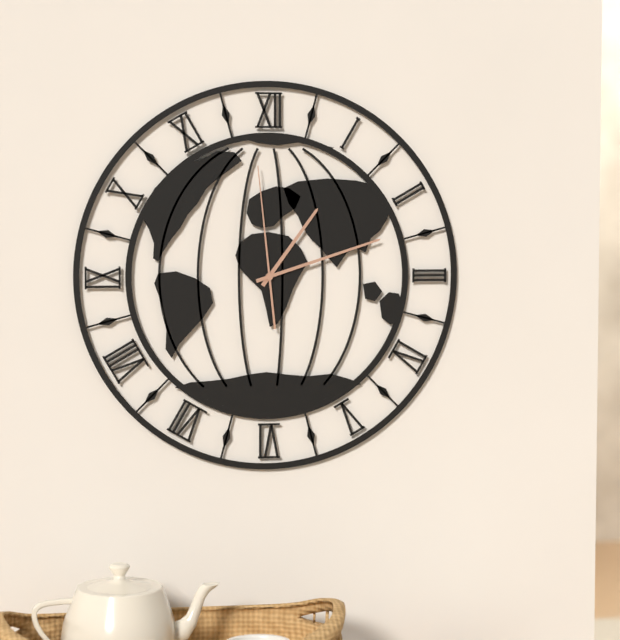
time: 1:12:59
